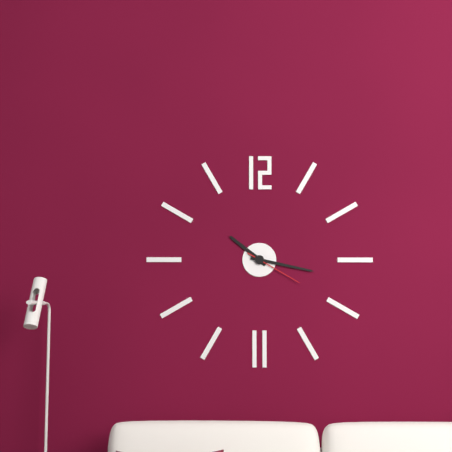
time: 10:17:20
